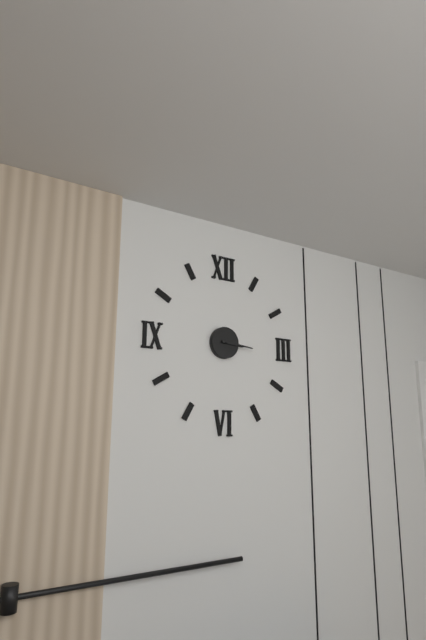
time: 3:16
